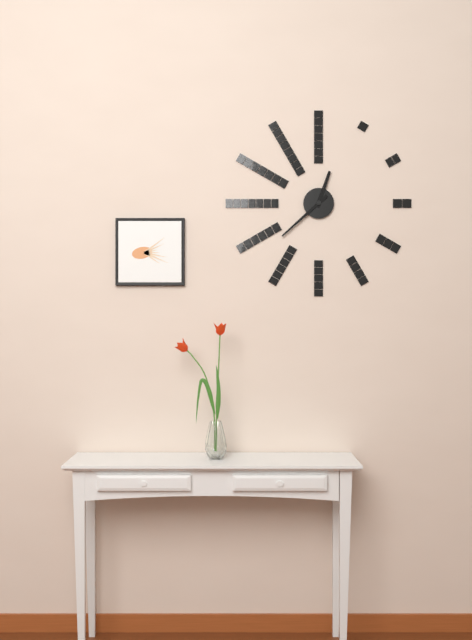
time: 12:38
